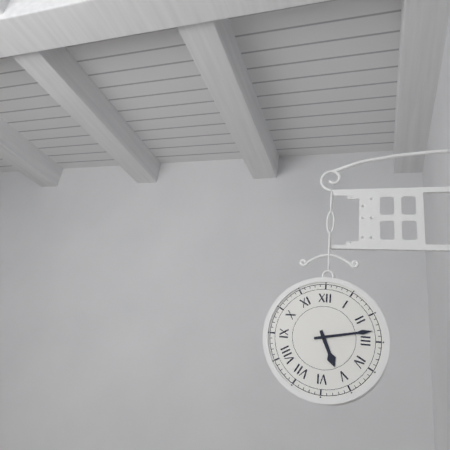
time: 5:13
